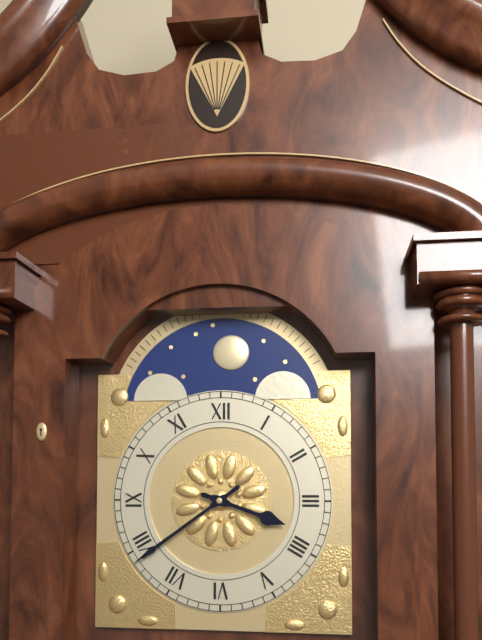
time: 3:39
